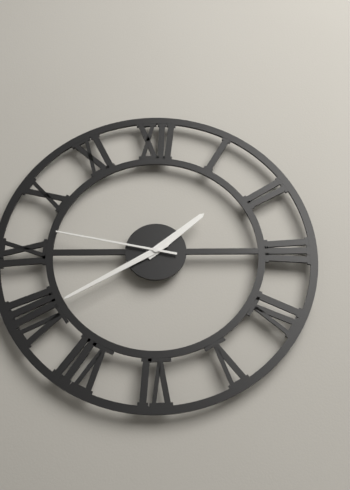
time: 1:40:47
